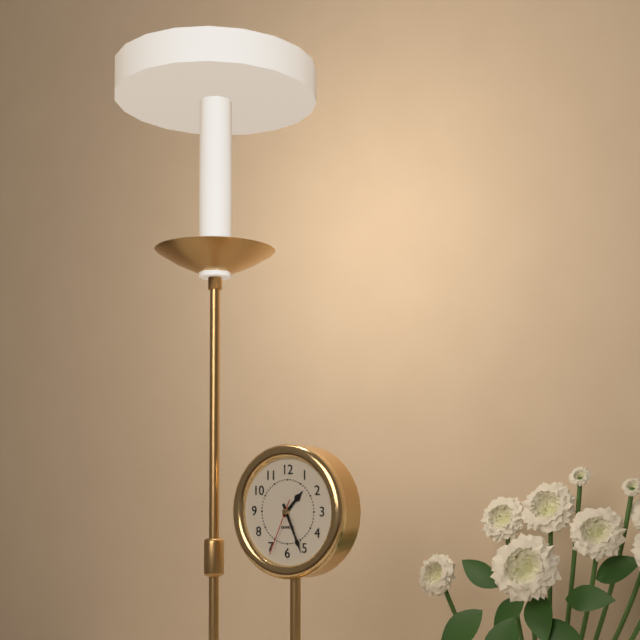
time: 1:26:34
